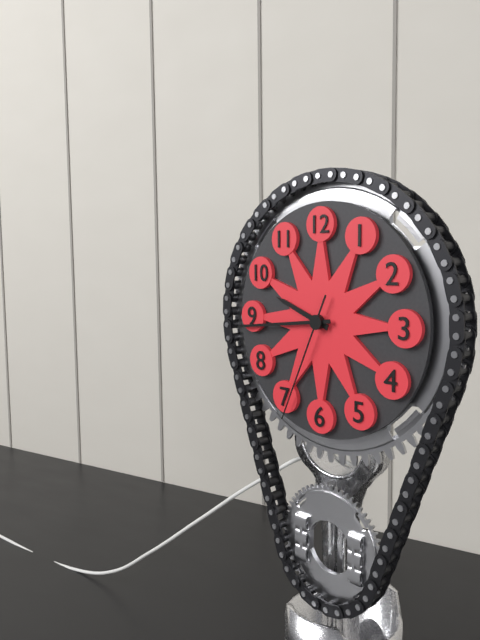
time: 9:44:34
